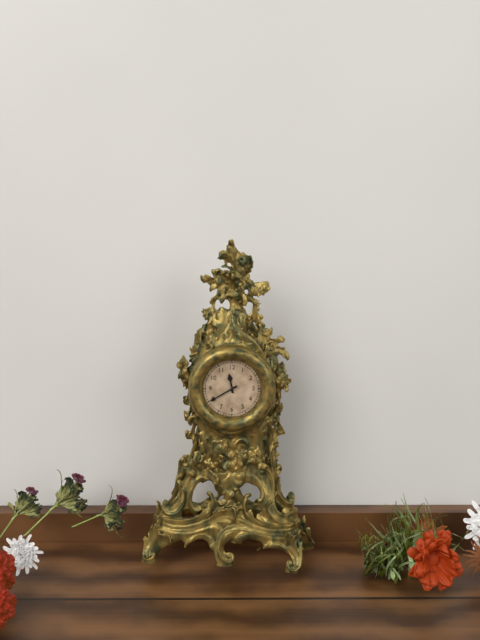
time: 11:40
